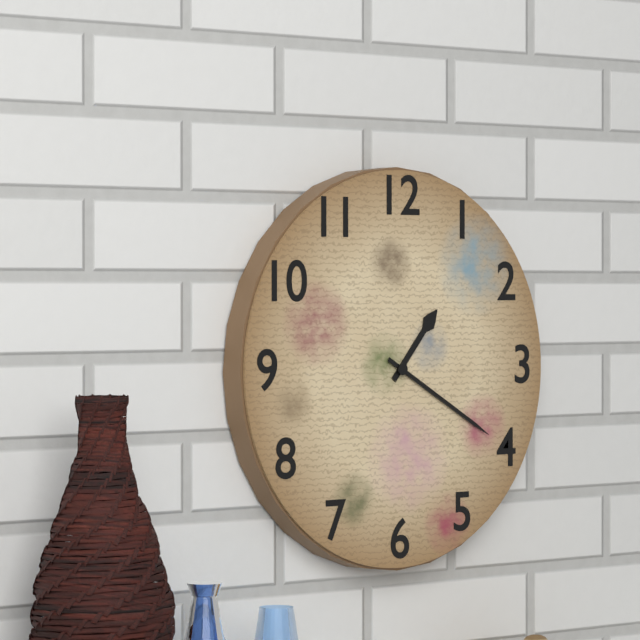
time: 1:20
